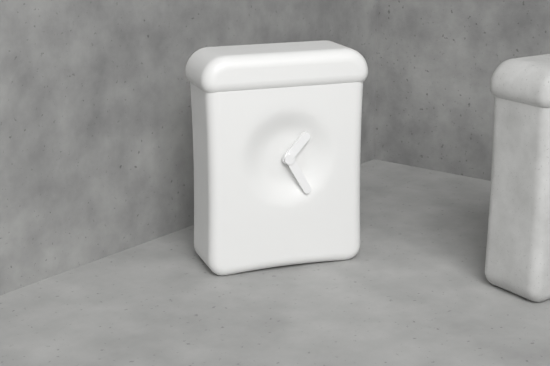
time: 1:25
